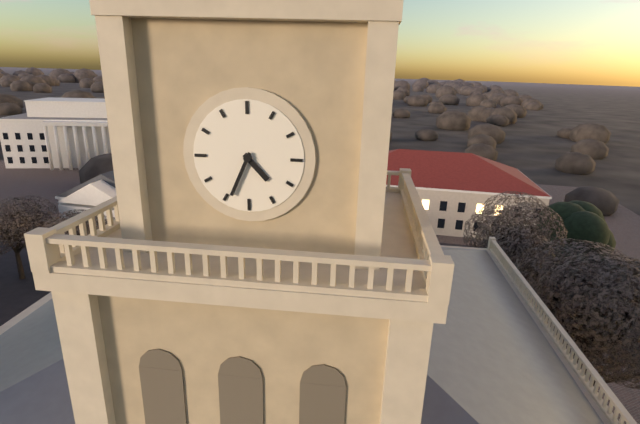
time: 4:34
